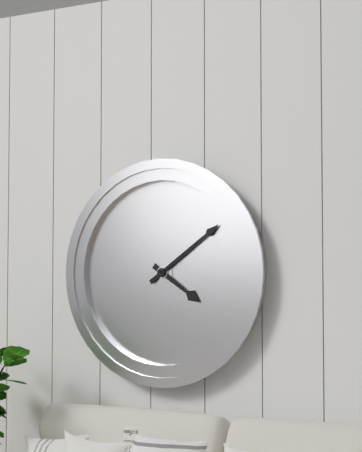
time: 4:09
